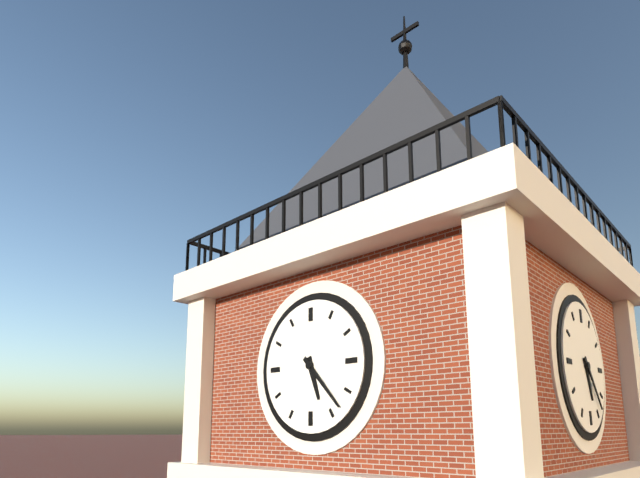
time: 5:23
